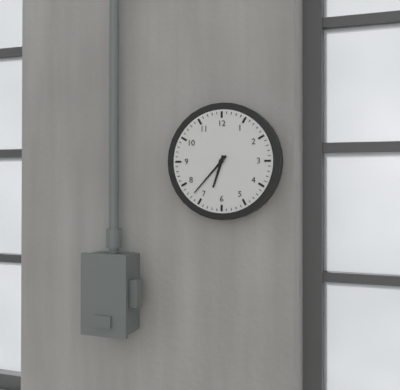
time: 6:37
